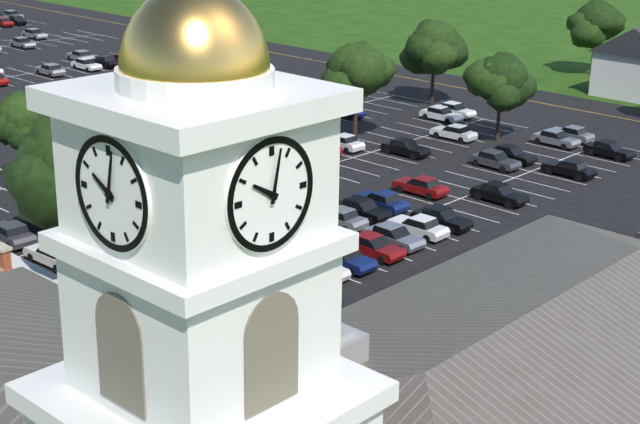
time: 10:02
